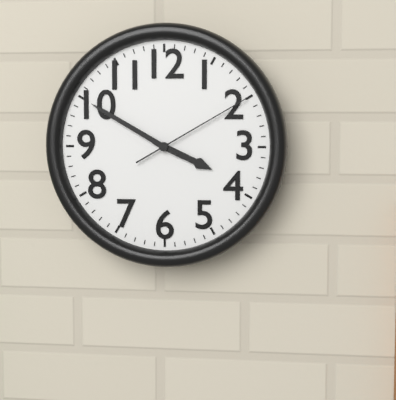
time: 3:50:10
